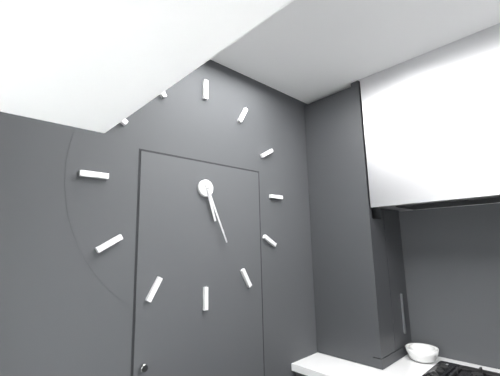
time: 5:26
